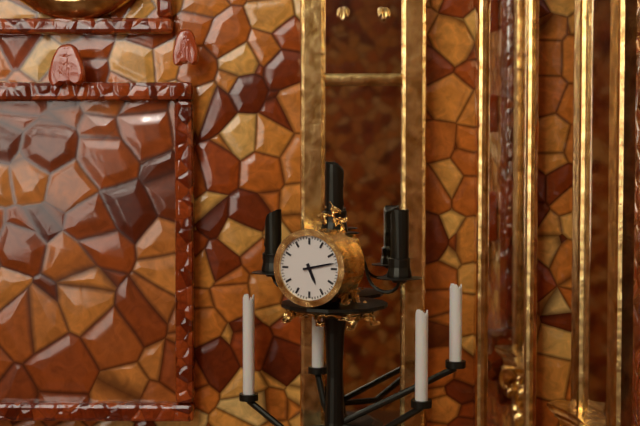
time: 5:13
